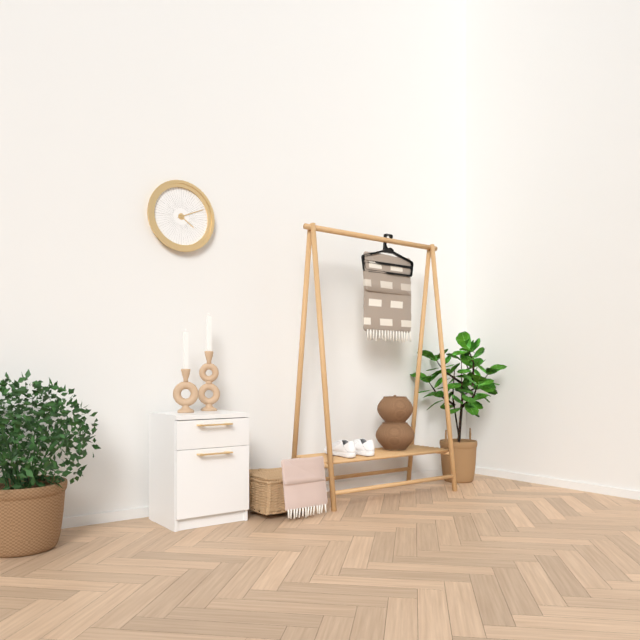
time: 4:11
